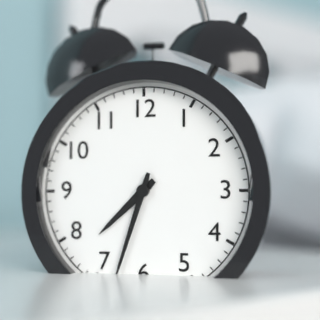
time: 7:33
